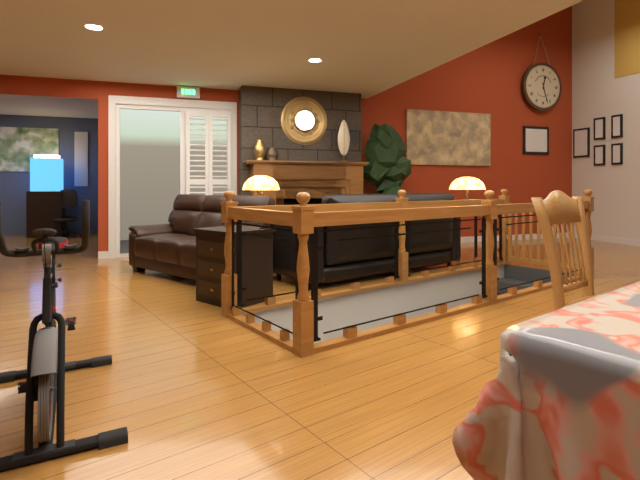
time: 12:27
